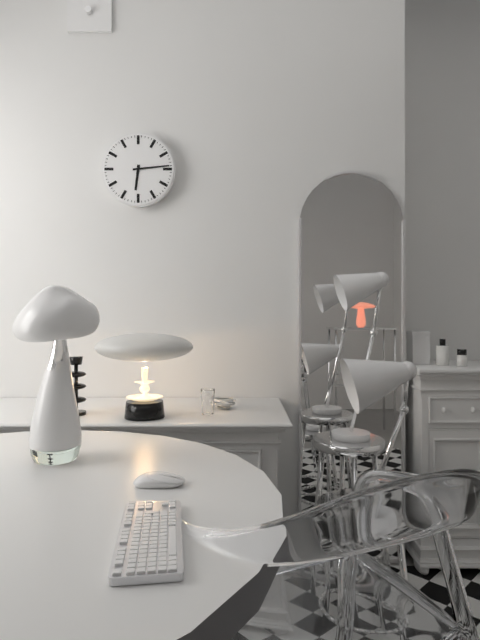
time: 6:14
